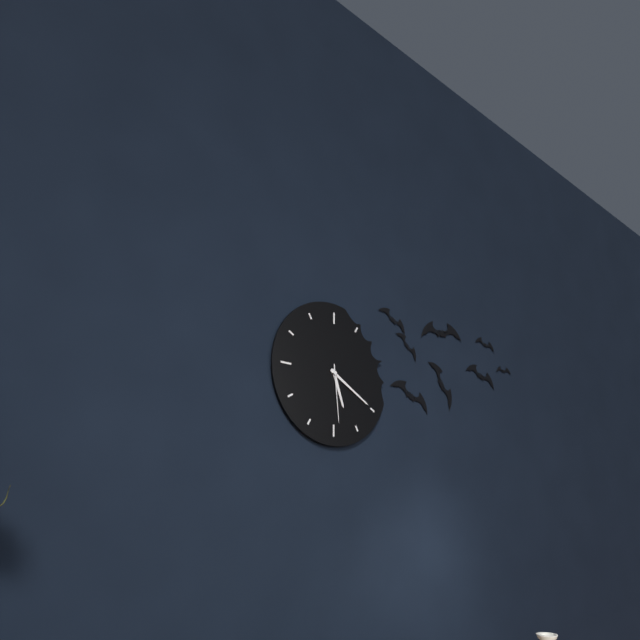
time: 5:20:29
